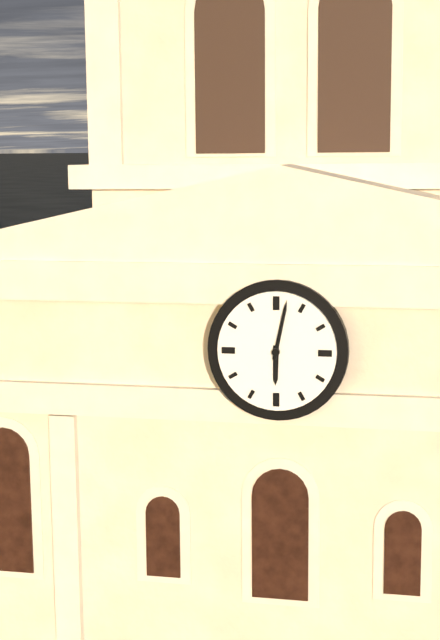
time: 6:02
